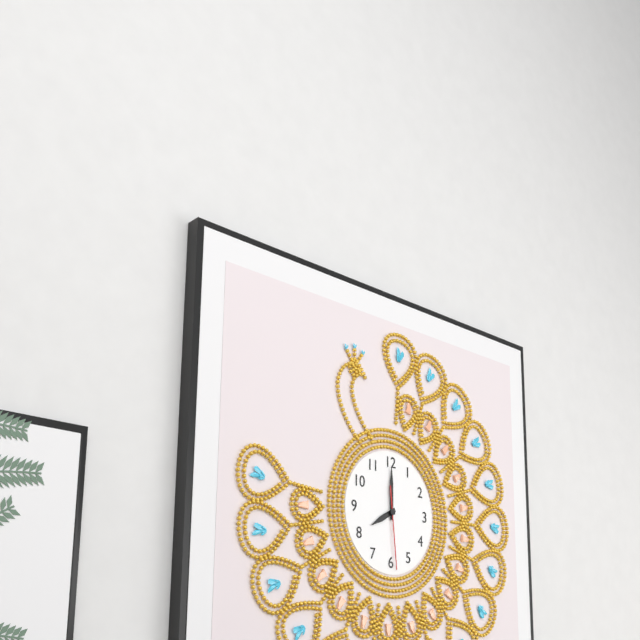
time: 8:00:29
